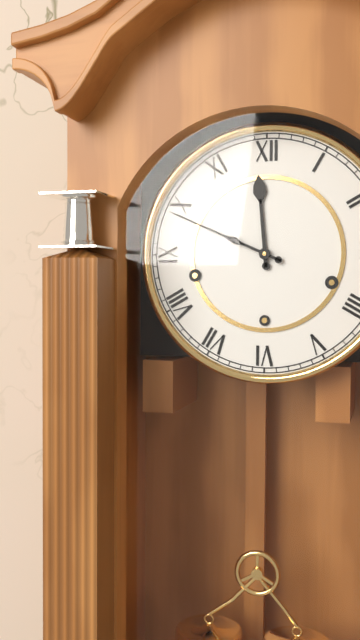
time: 11:49
